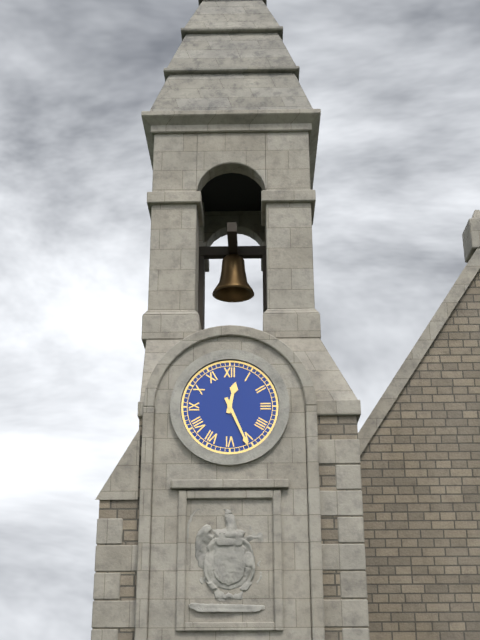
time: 12:26
